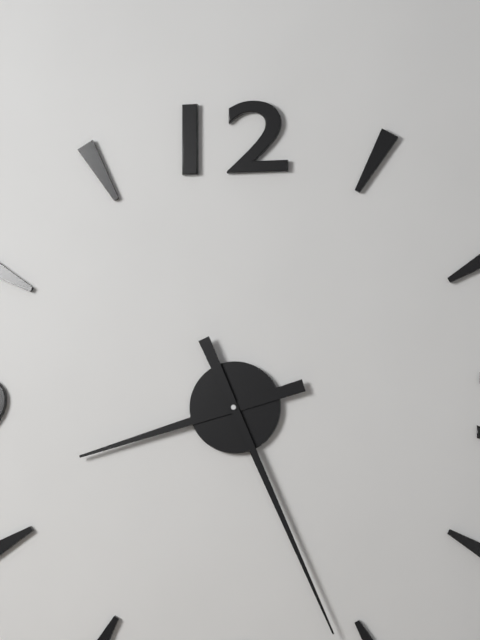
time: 8:26
